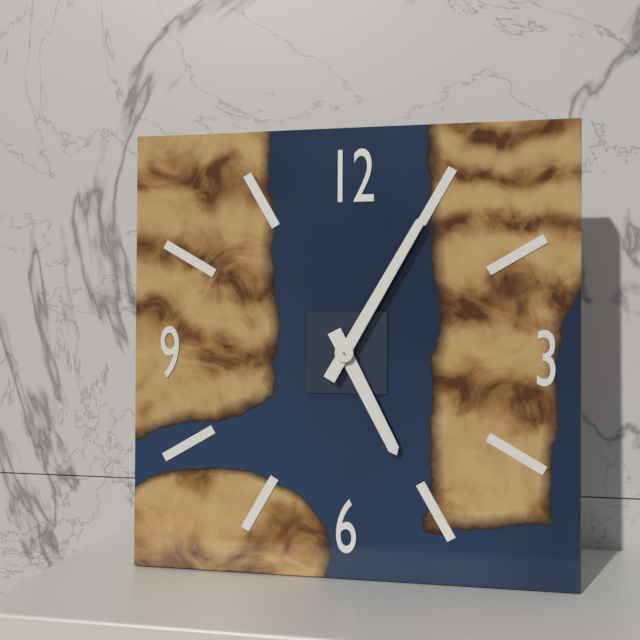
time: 5:05
